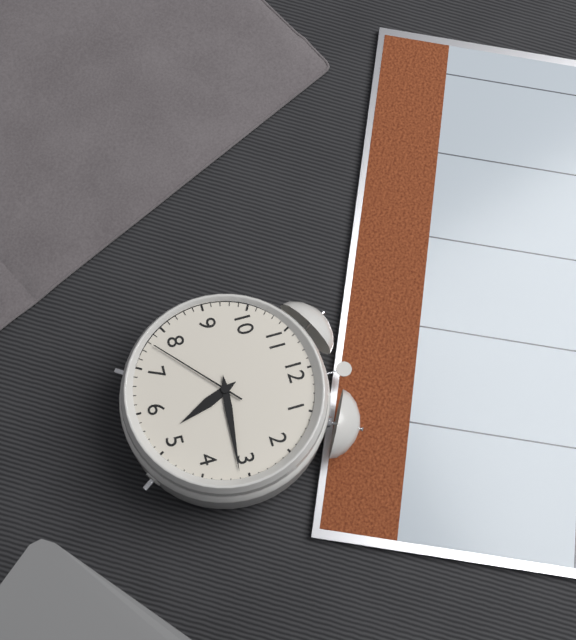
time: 5:16:38
